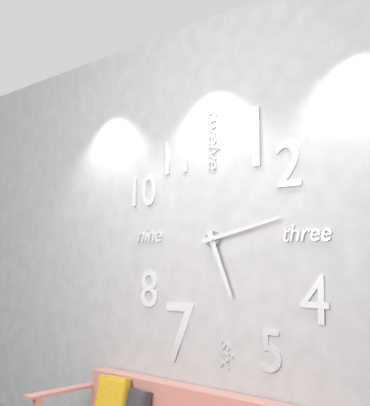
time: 5:13
